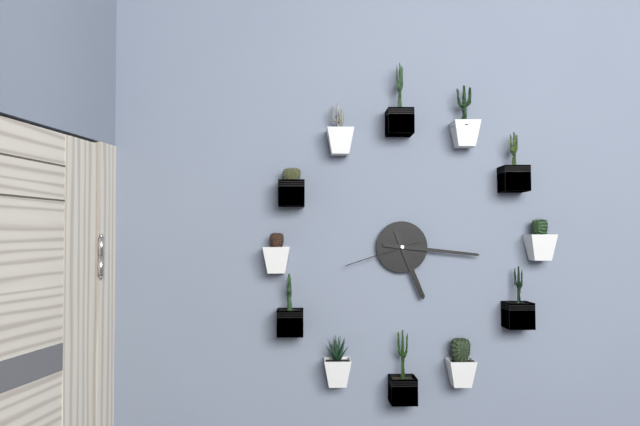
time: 5:16:42
